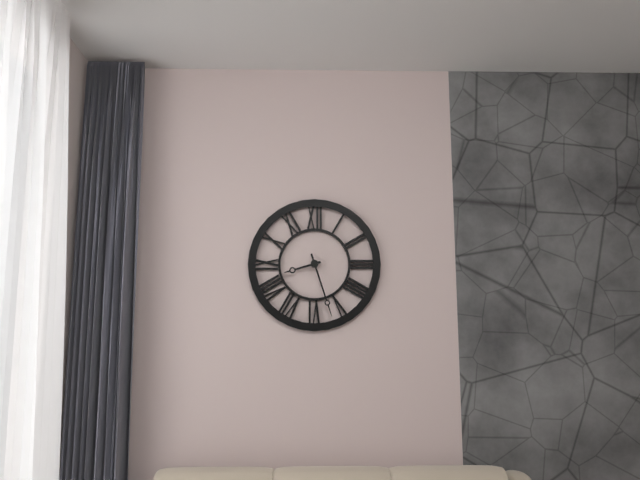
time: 8:27
